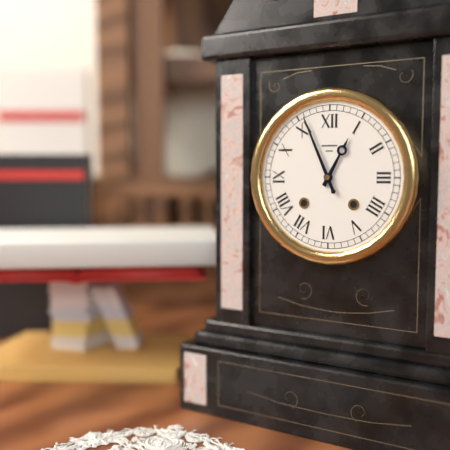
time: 12:56
